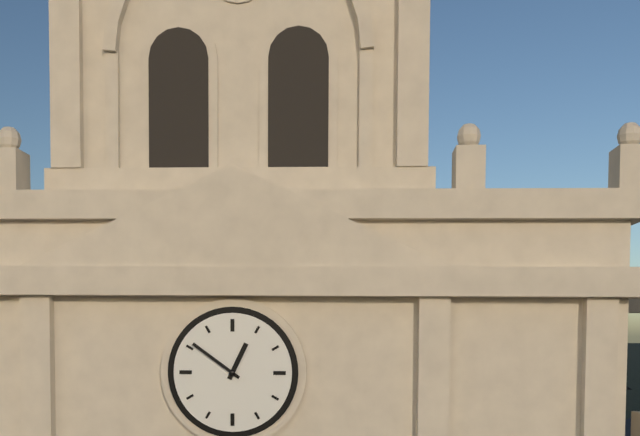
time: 12:51
